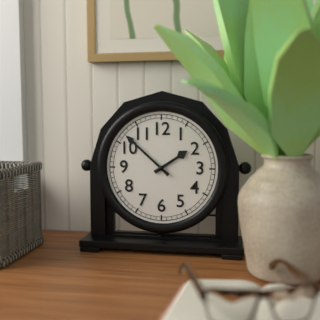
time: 1:52
